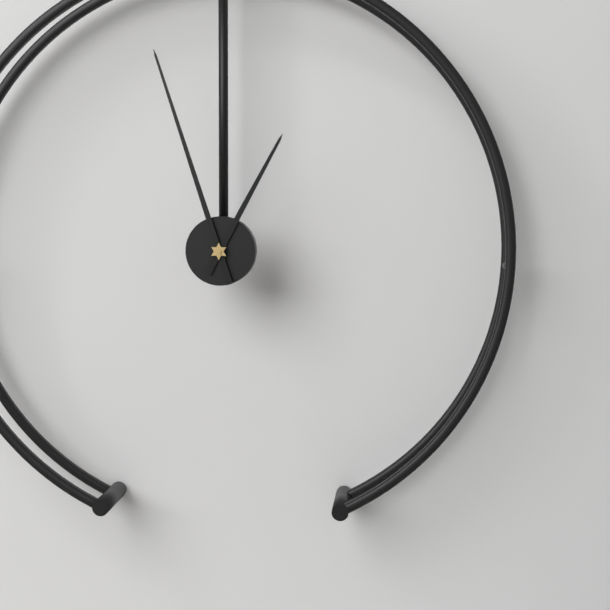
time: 12:57
